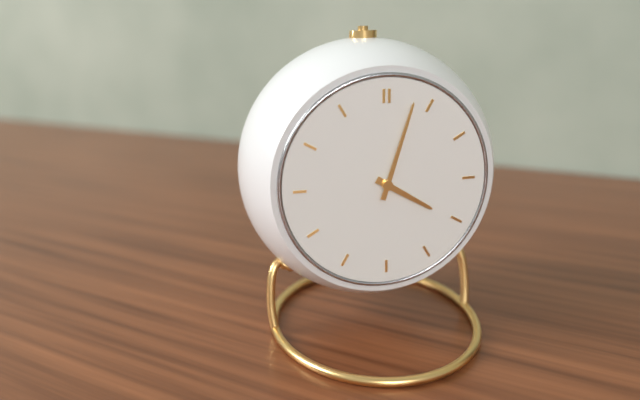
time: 4:03
